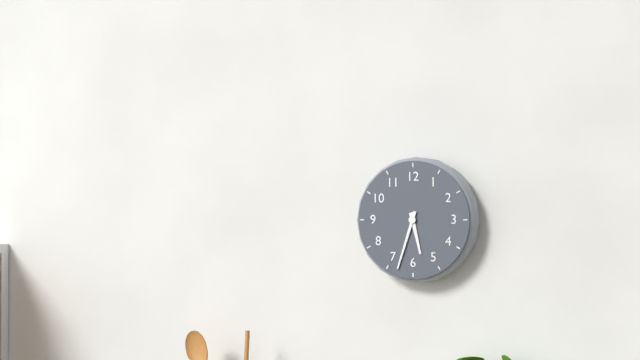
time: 5:33
